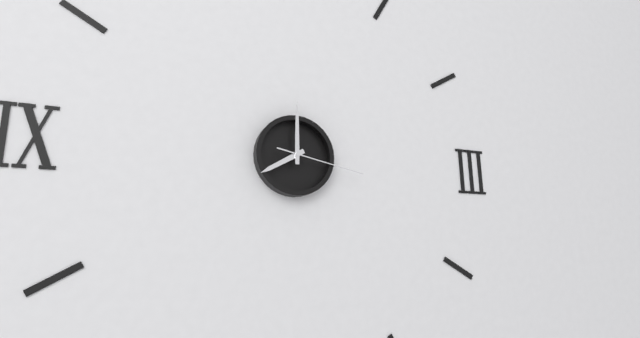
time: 8:00:17
